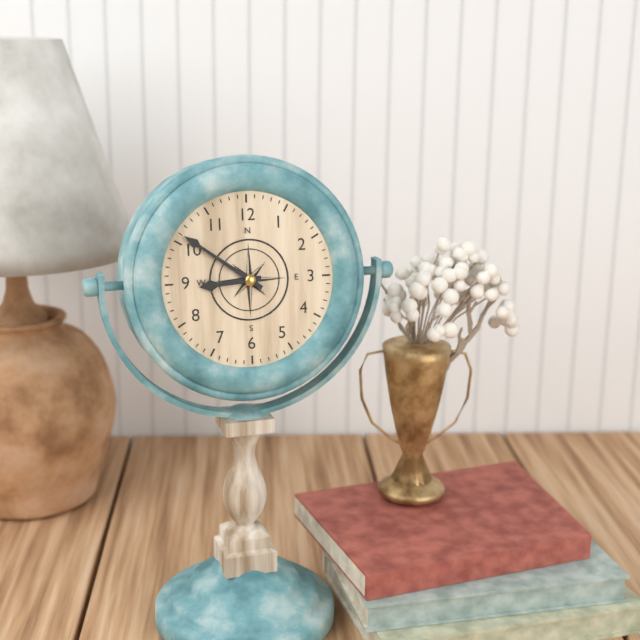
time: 8:51
